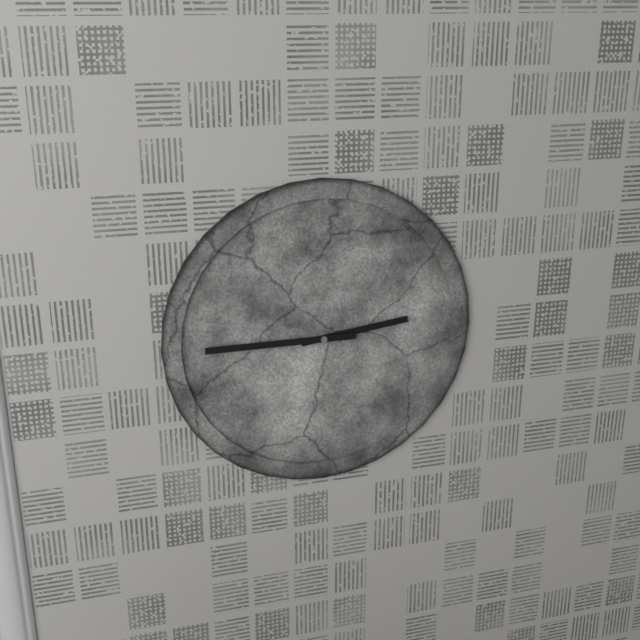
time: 2:45
